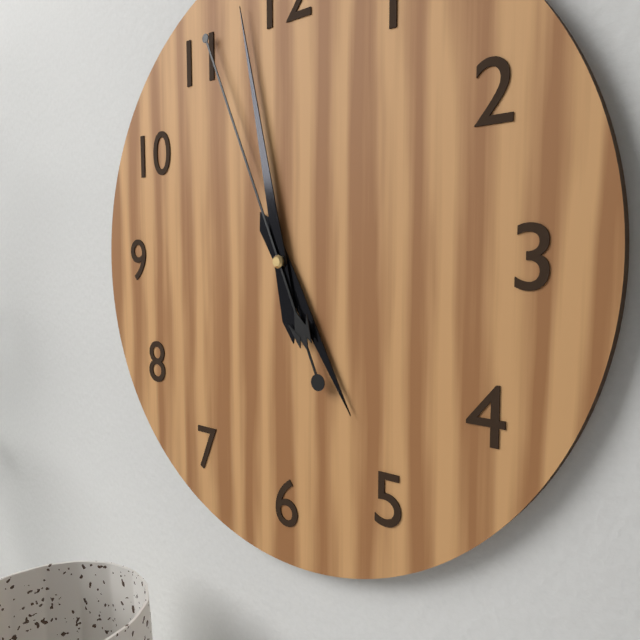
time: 4:58:56
